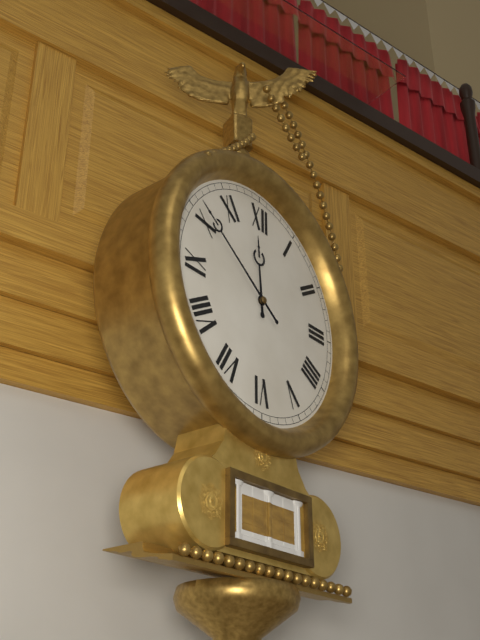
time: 11:51
